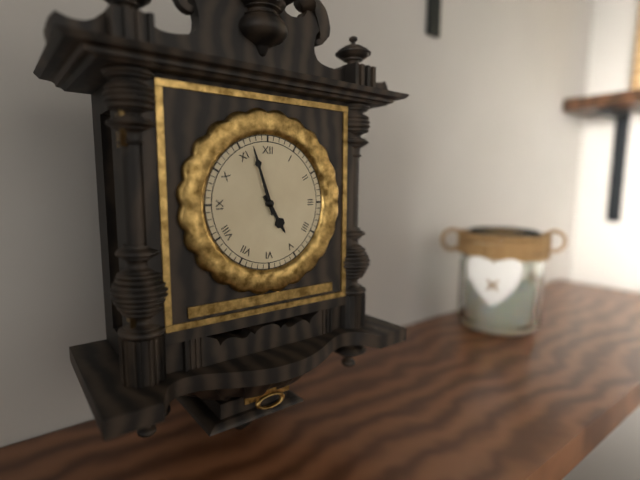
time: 4:57
